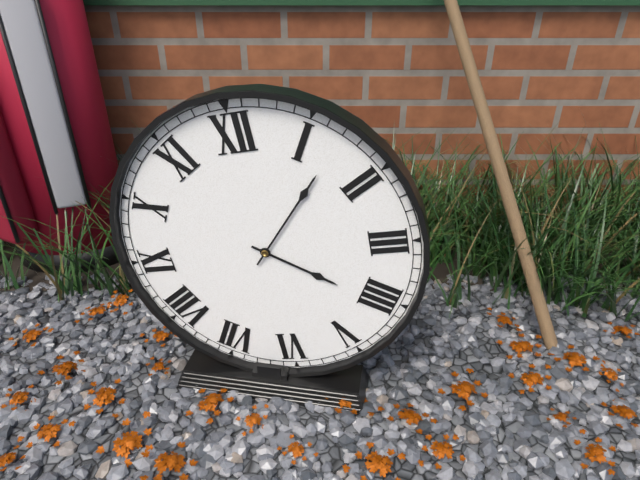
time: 4:07
